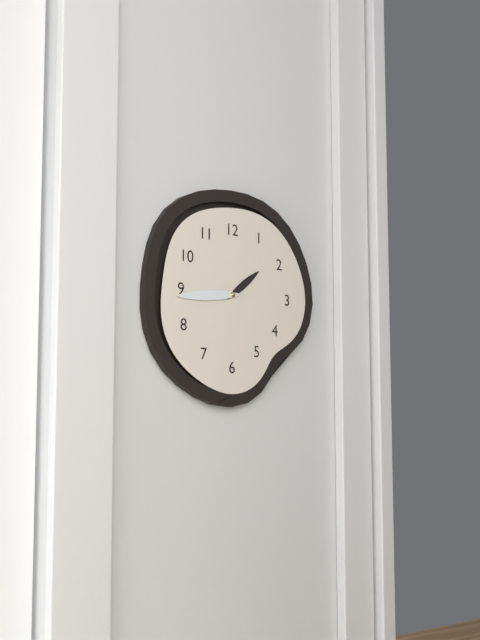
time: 1:44
